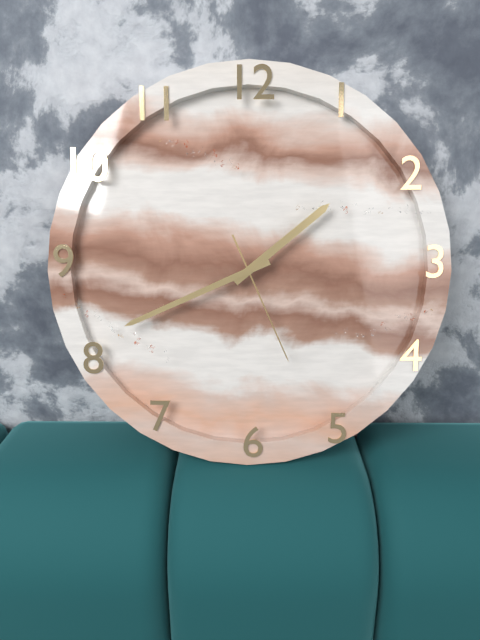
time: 1:41:26
